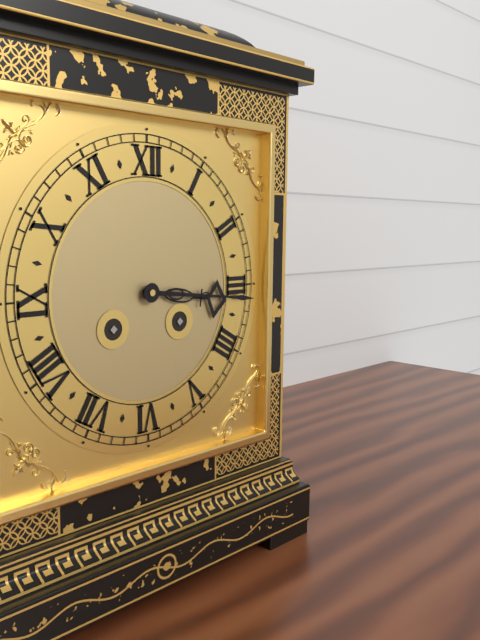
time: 3:16
